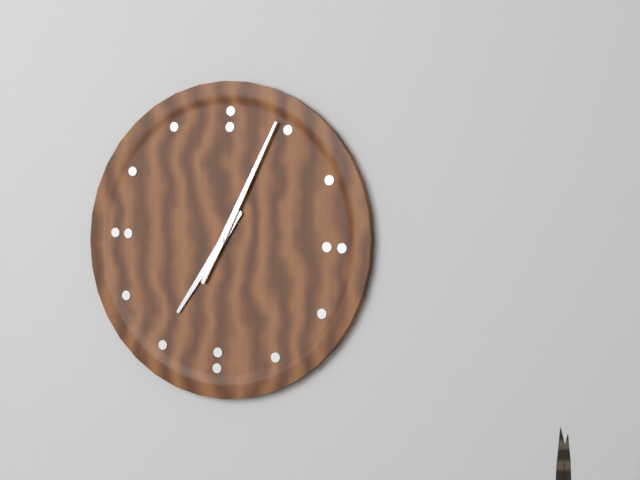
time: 7:04
